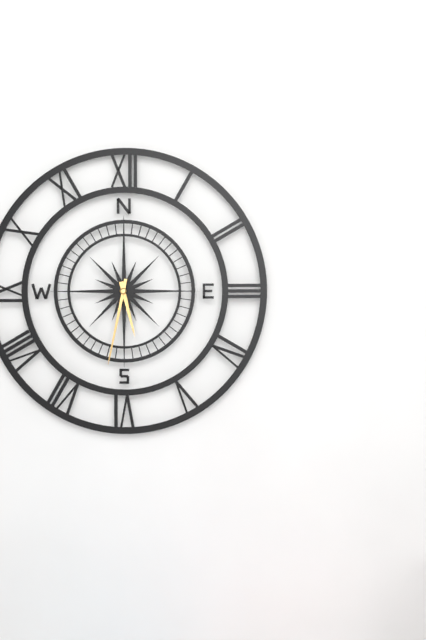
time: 5:32
